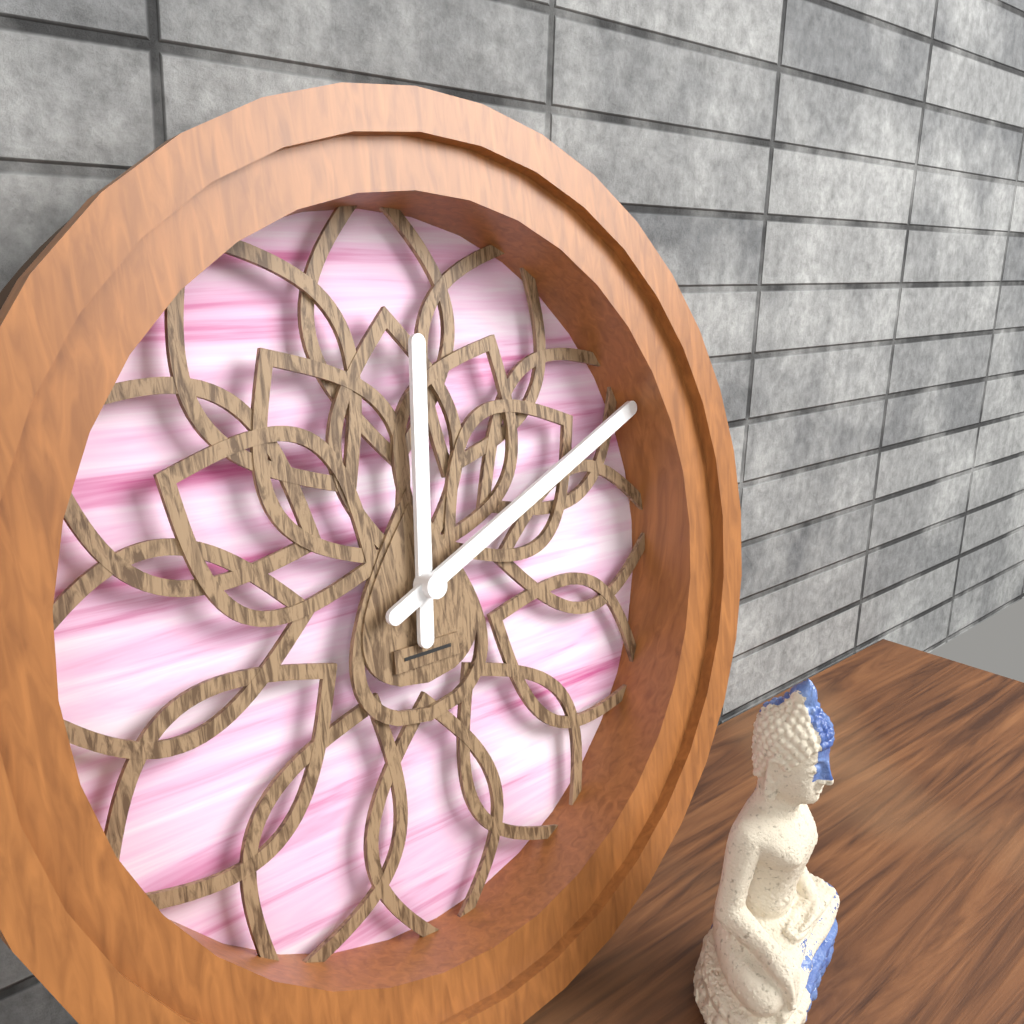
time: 12:11
